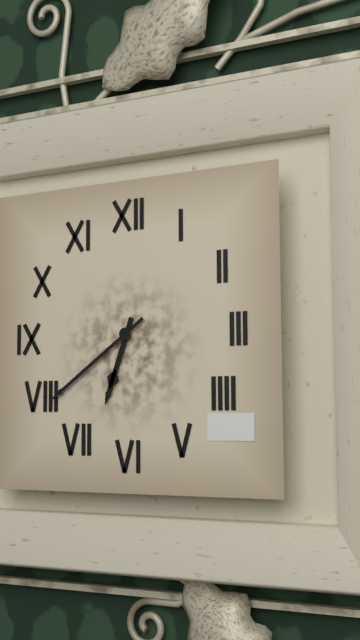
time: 6:39
